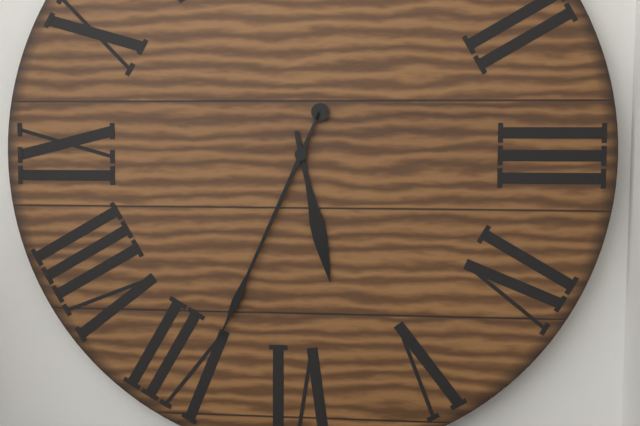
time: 5:34
